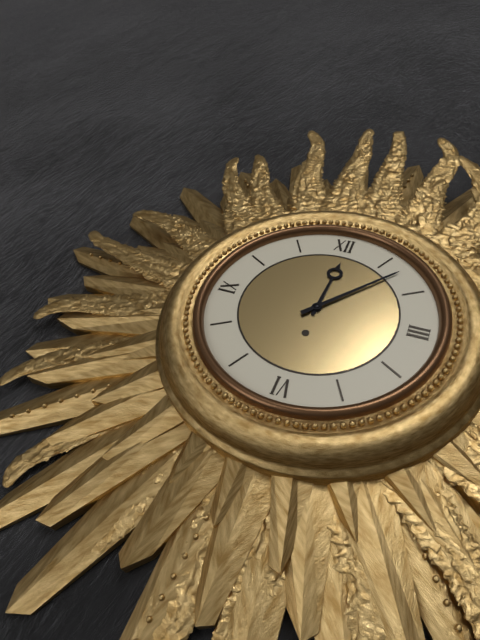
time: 12:07
